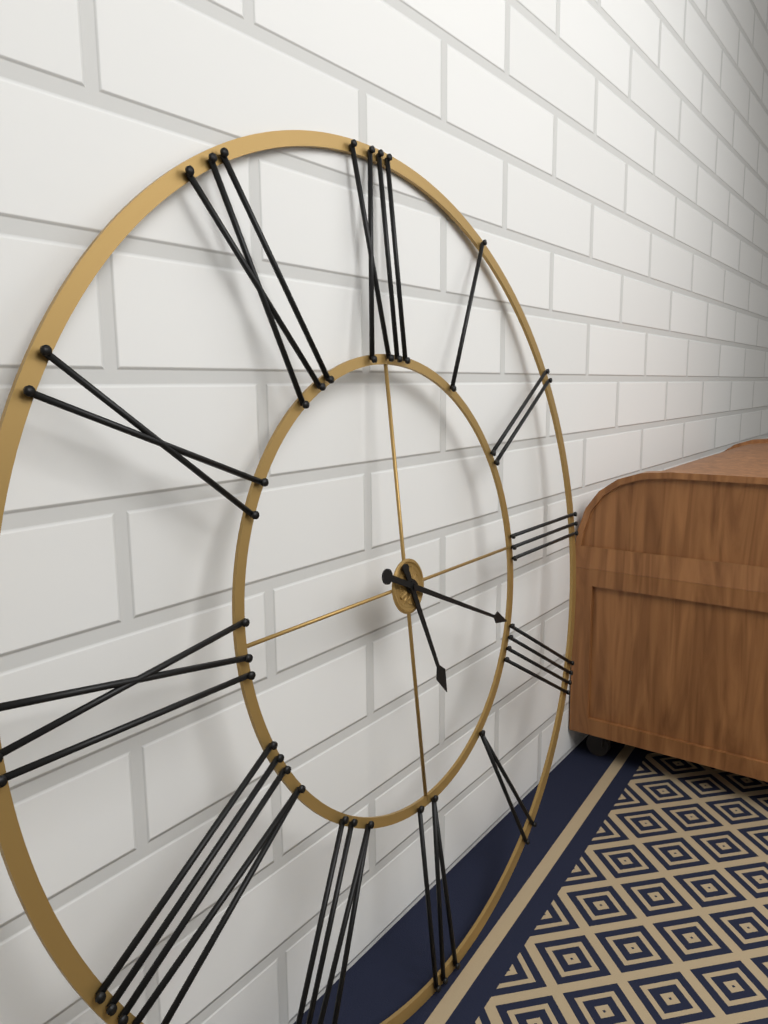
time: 5:19
